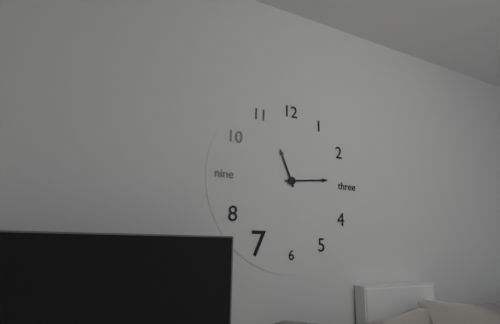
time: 11:14
